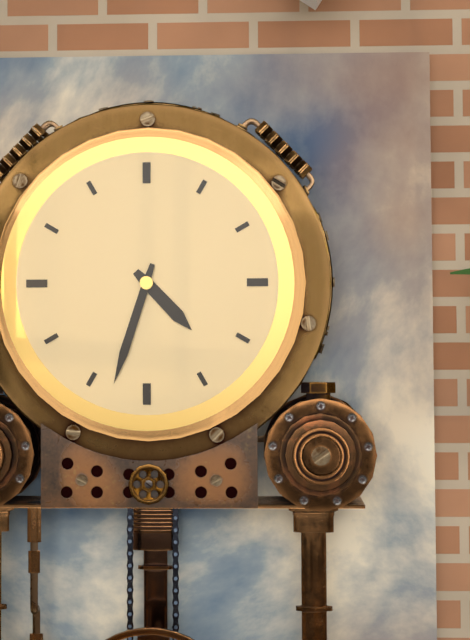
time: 4:33
